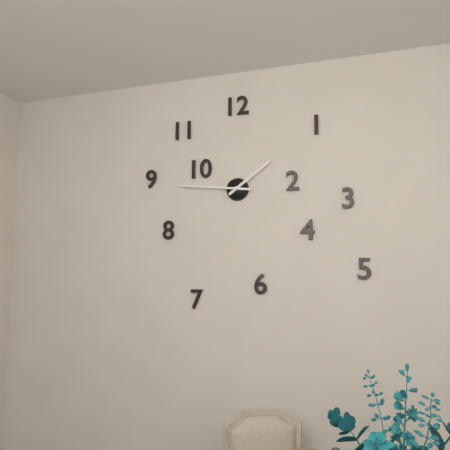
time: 1:46
